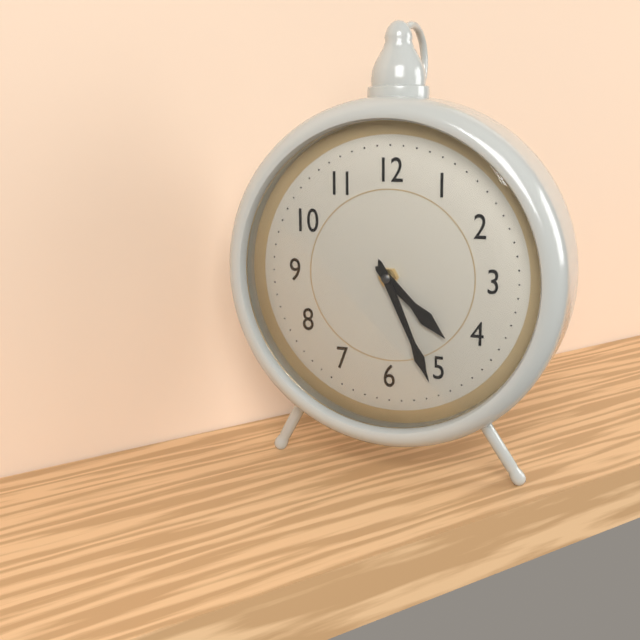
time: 4:26
